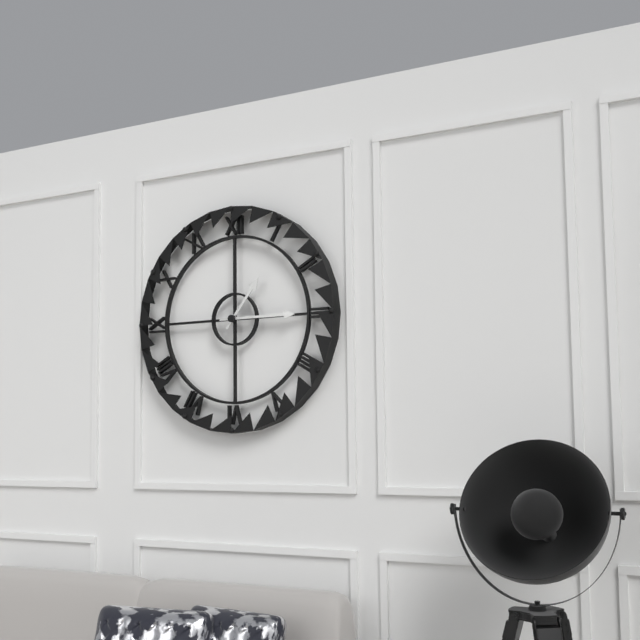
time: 1:15
